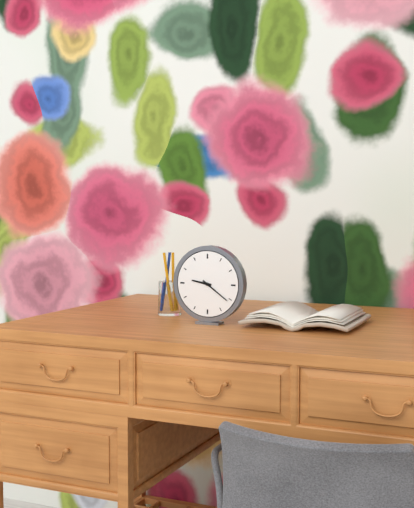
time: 9:21
